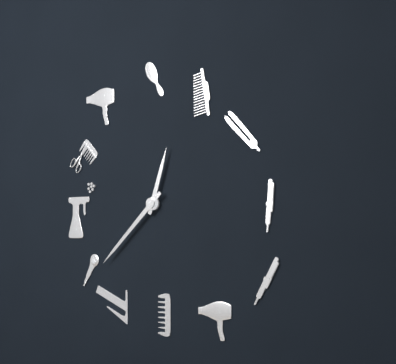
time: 12:38
